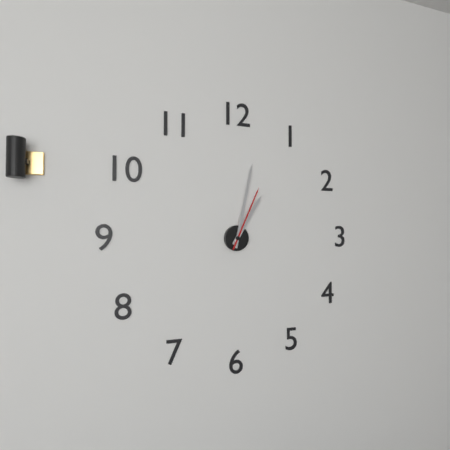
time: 1:02:04
